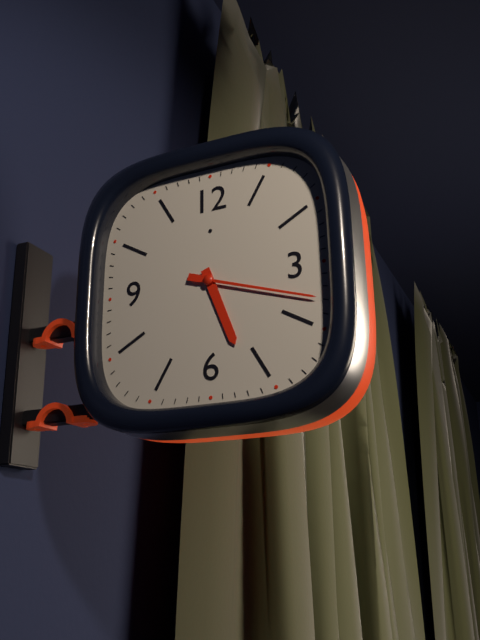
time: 5:18
